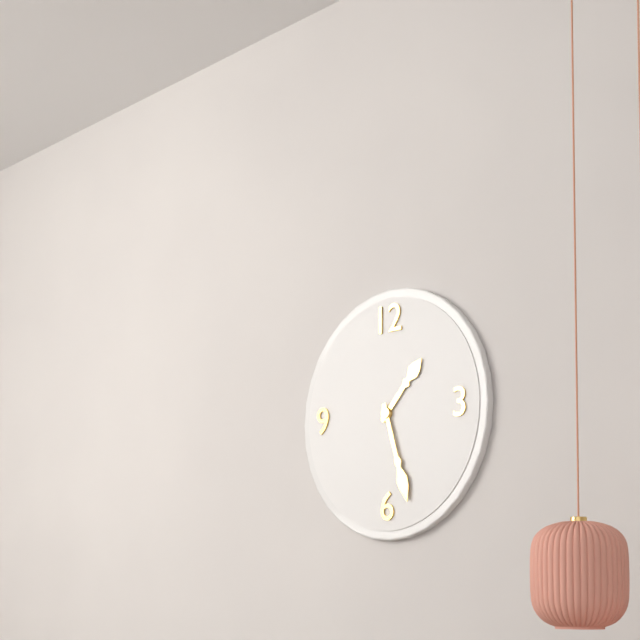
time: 1:27
